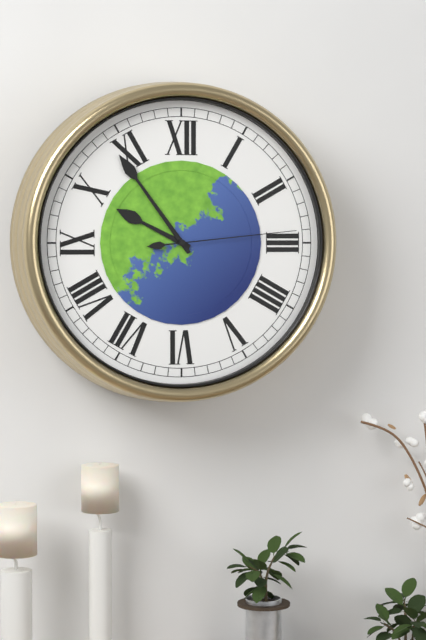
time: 9:54:14
